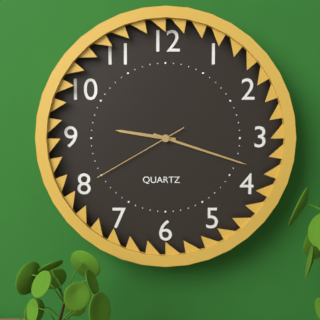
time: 9:18:40
